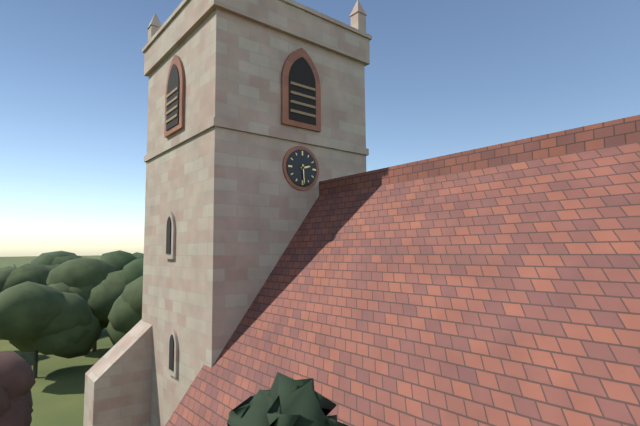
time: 2:29
